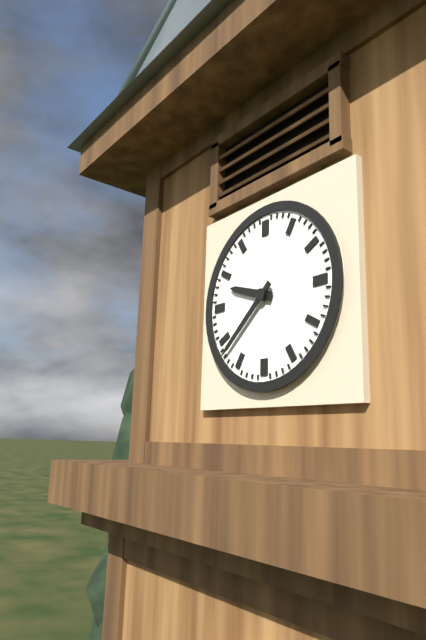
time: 9:38
